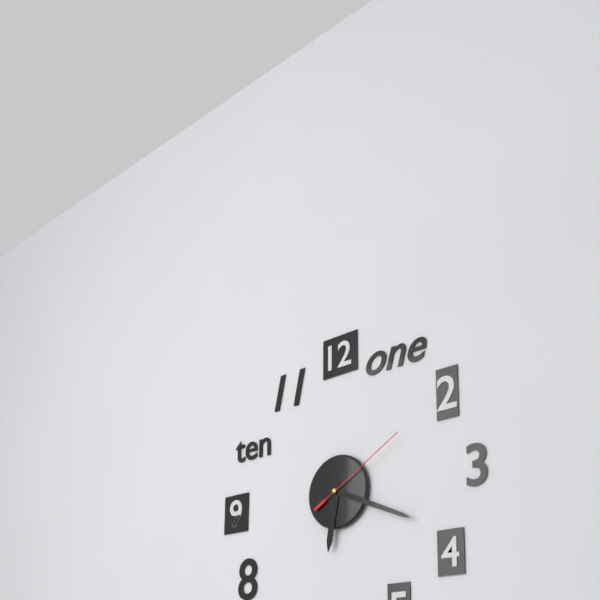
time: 6:19:10
